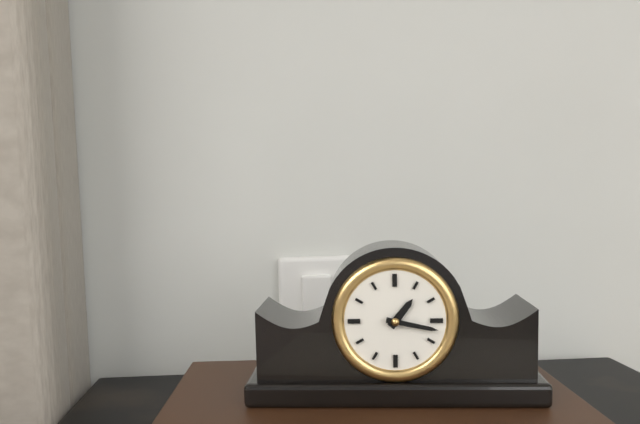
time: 1:17
